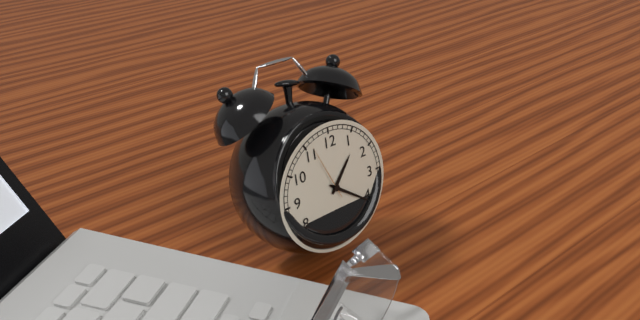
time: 1:21:56
